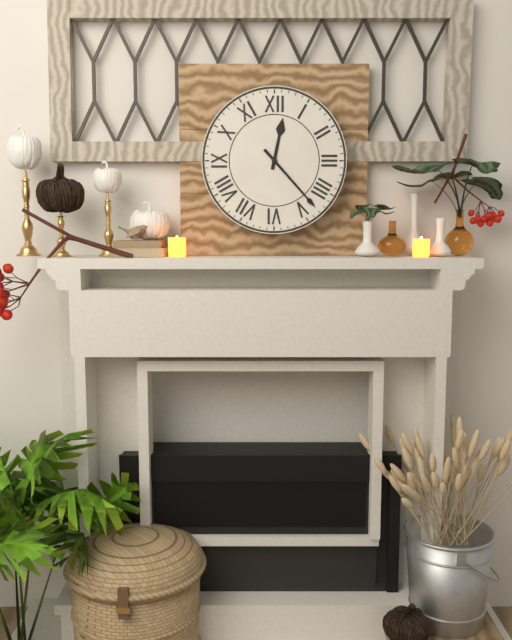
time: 12:23
